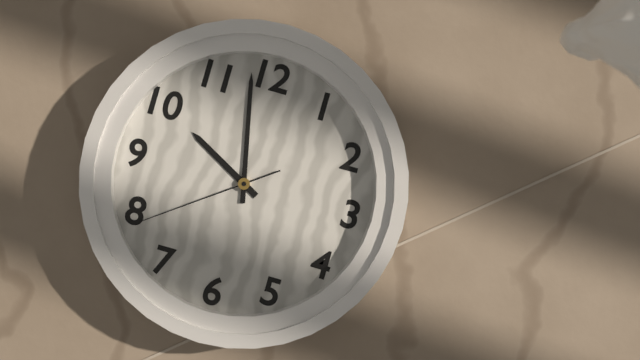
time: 9:58:39
